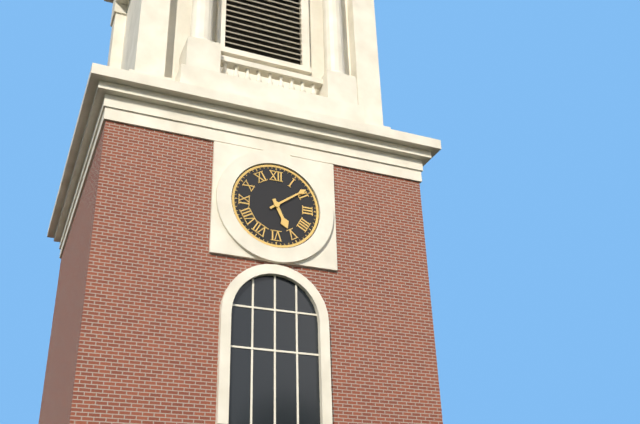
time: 5:09
